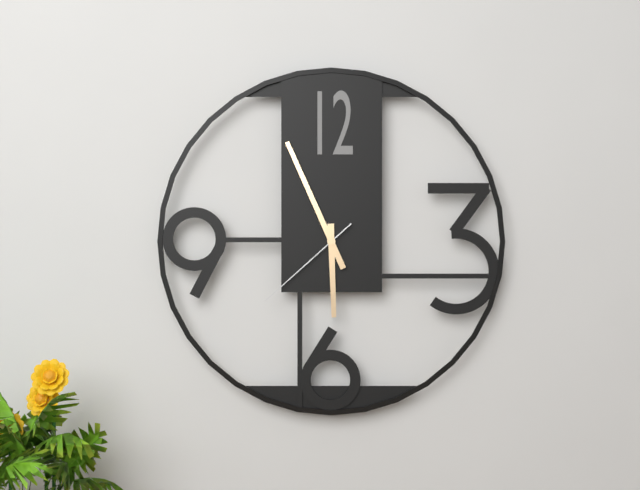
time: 5:56:38
